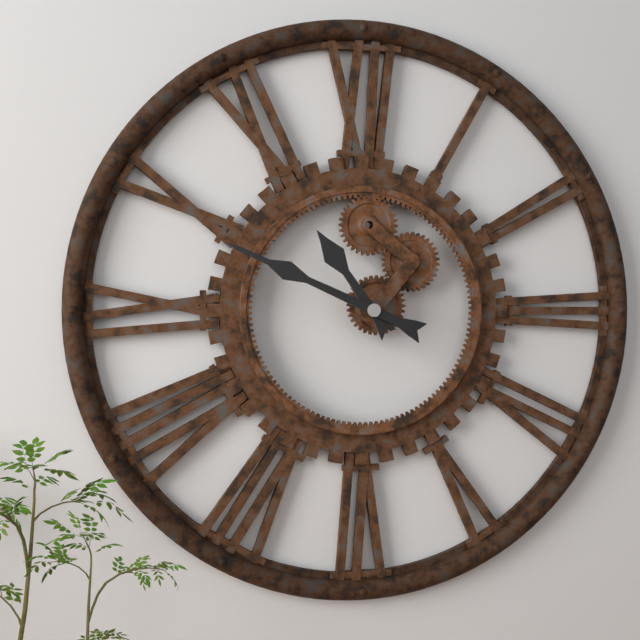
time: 10:49
